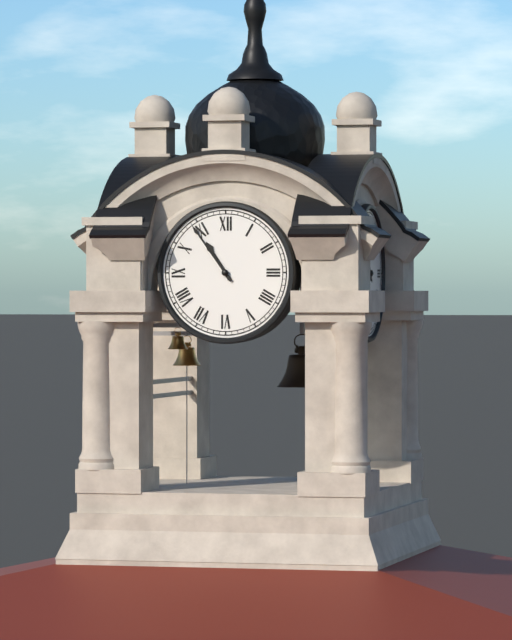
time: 10:54
